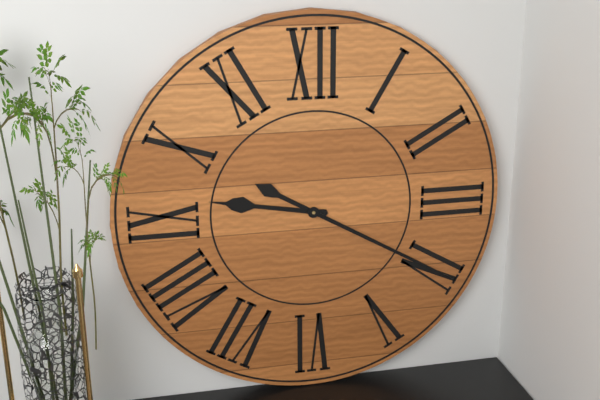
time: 9:20
